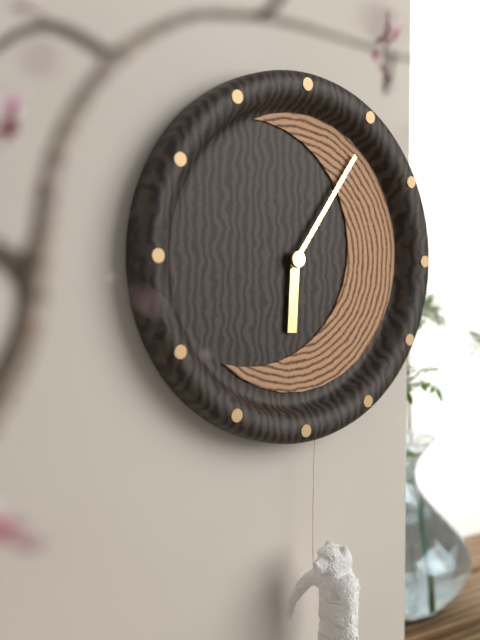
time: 6:06
